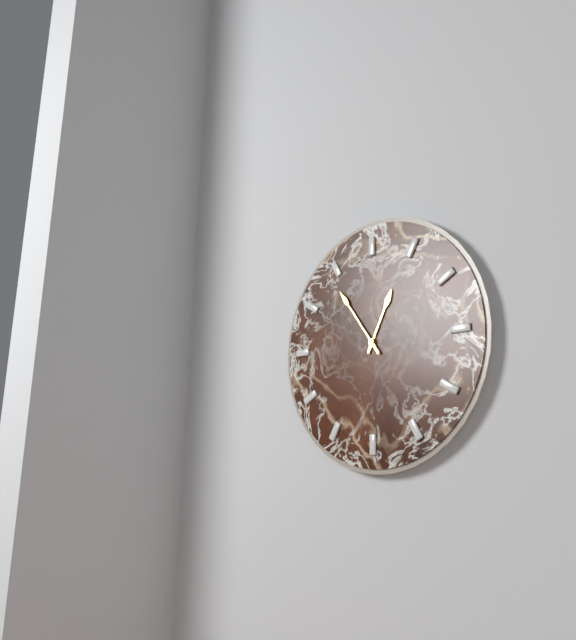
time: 12:54
